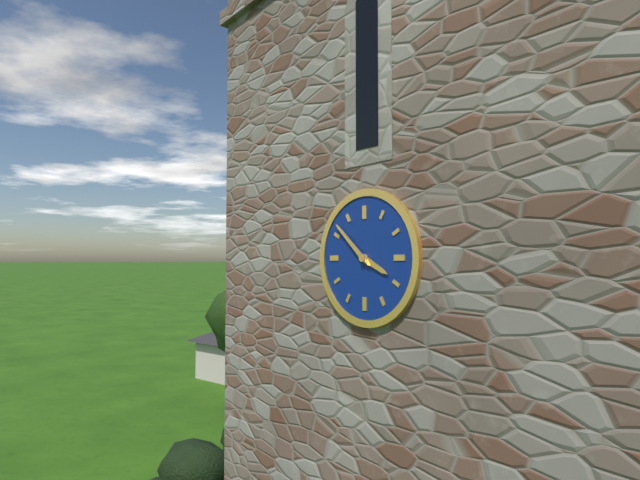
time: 3:52
